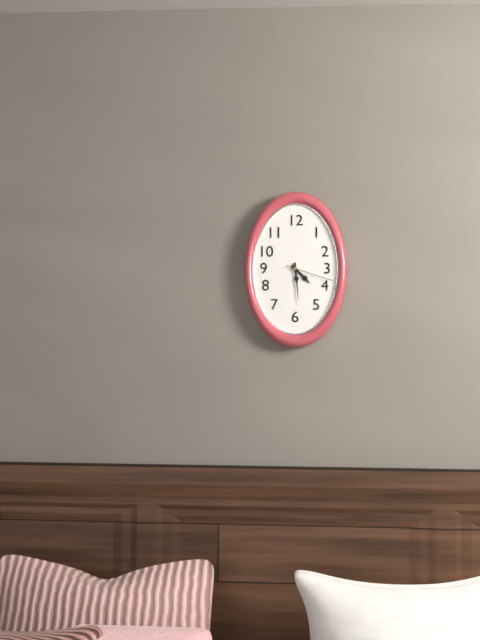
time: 4:29:18
